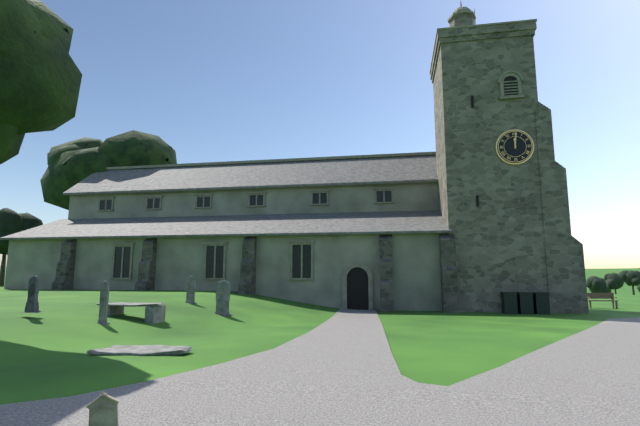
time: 12:01
